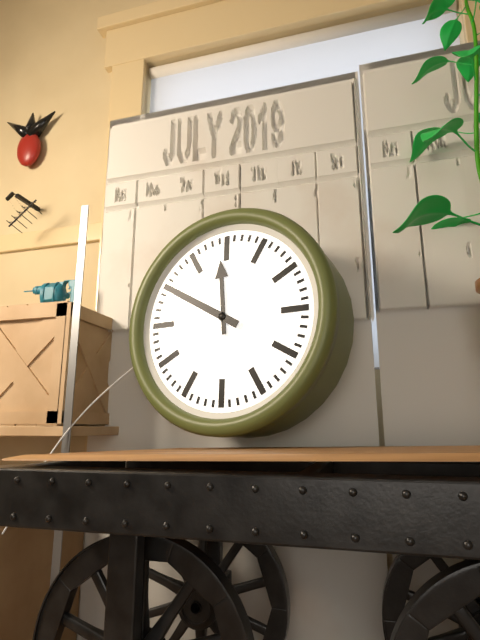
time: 11:50
